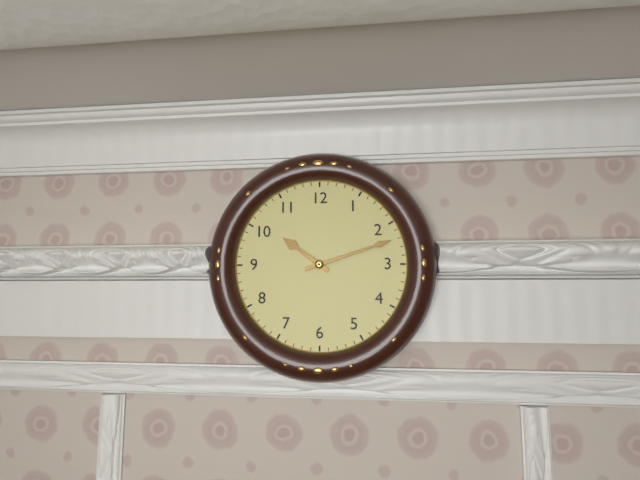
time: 10:12
